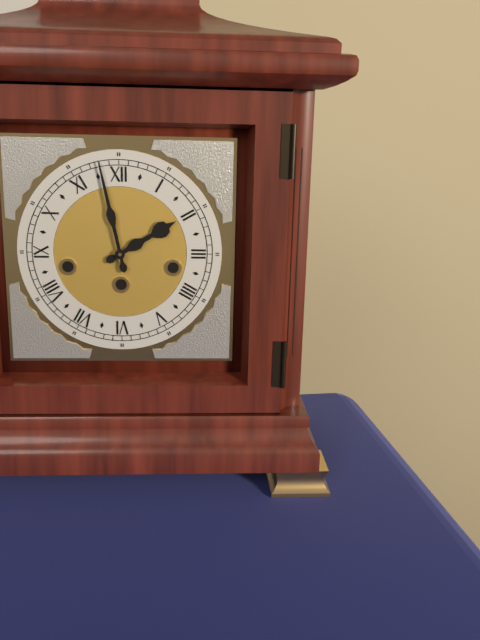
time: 1:58
